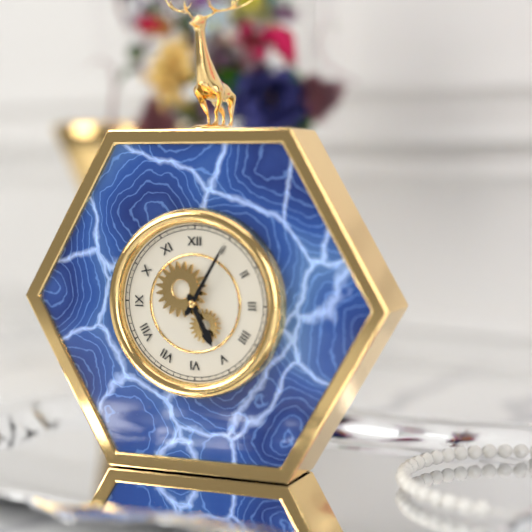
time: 5:05
